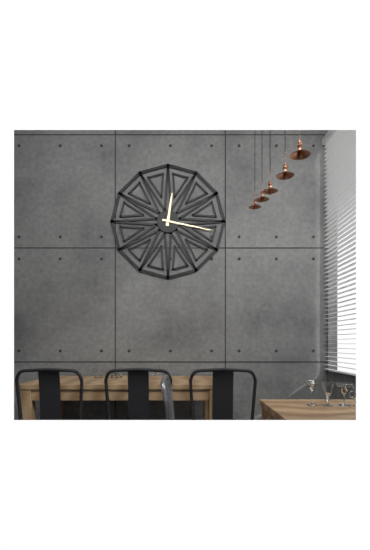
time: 12:17
